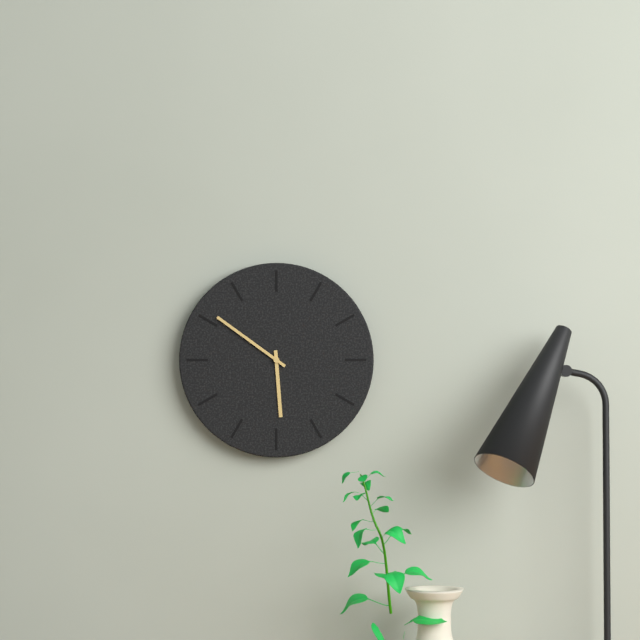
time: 5:51
